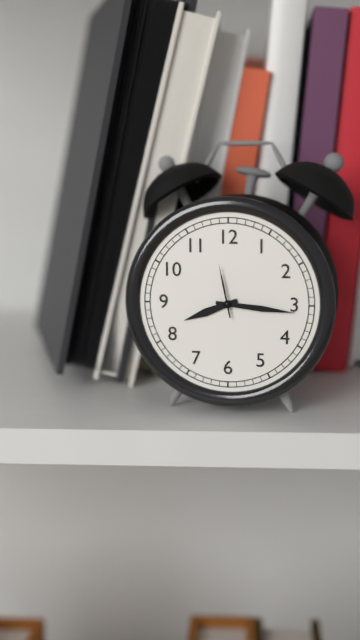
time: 8:16:58
